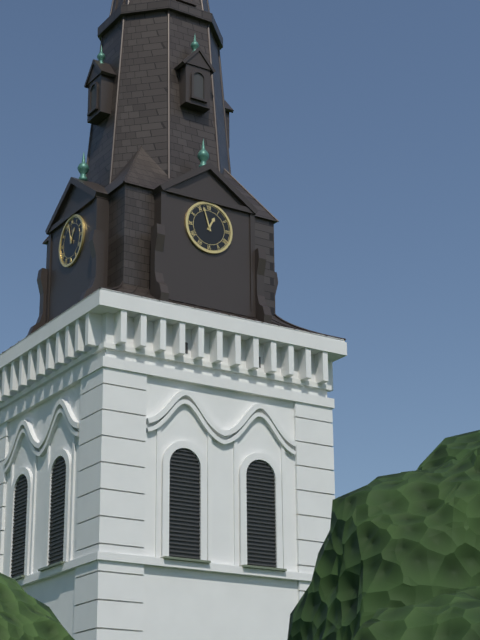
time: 12:57
